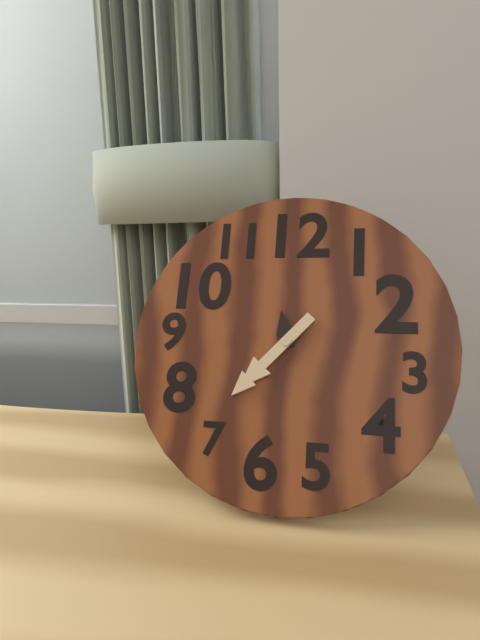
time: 11:37
